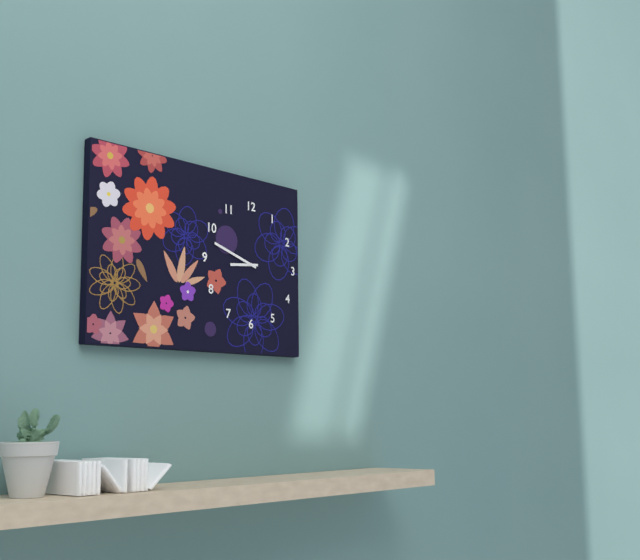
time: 8:48
